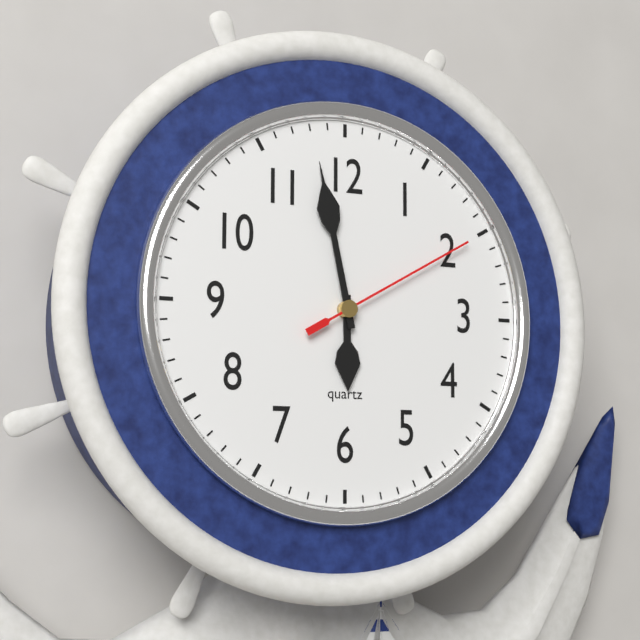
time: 5:58:10
